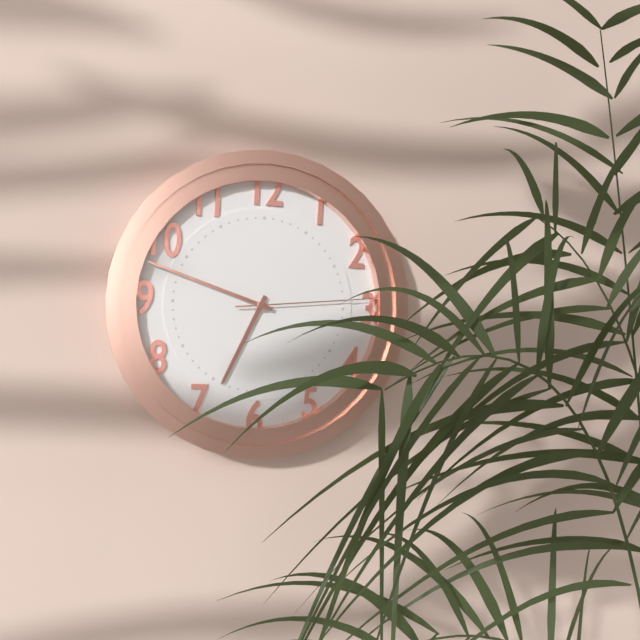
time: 6:48:14
